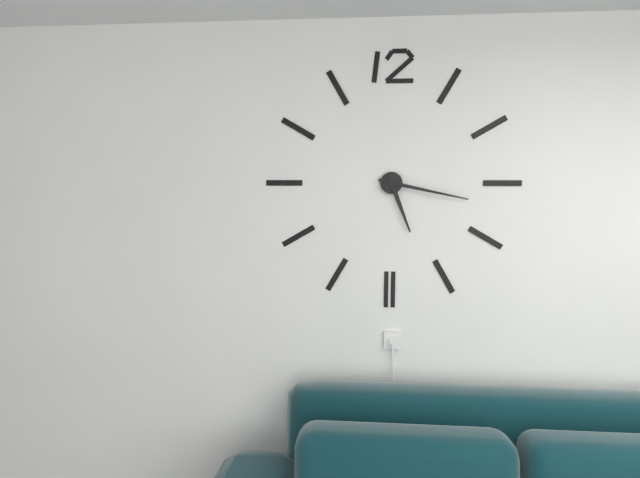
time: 5:17
